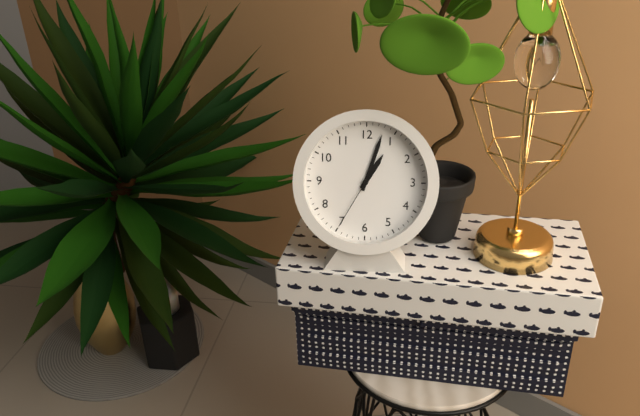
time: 1:03:35
